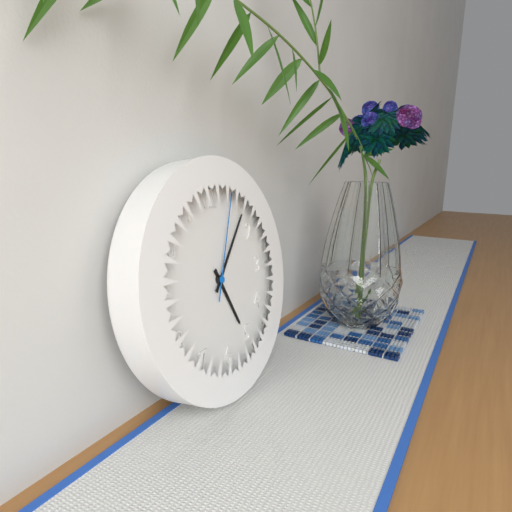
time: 5:07:04
